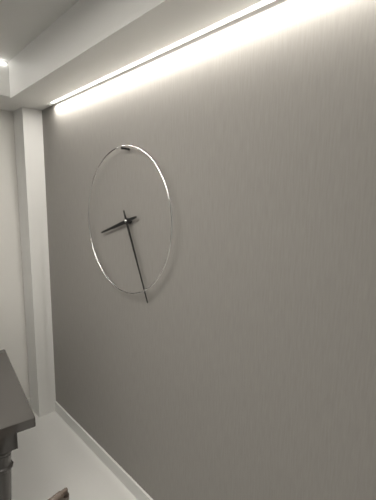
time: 8:26
